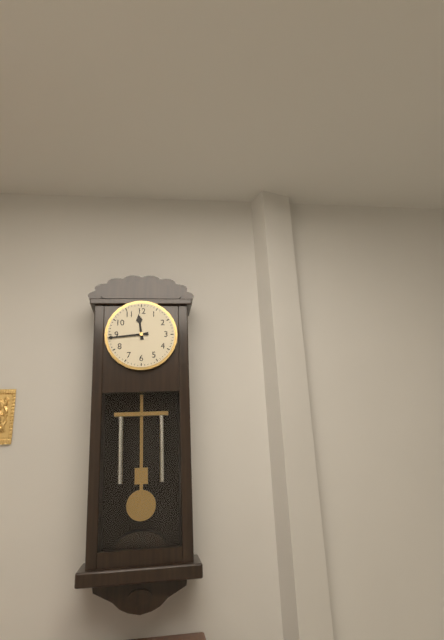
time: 11:44
